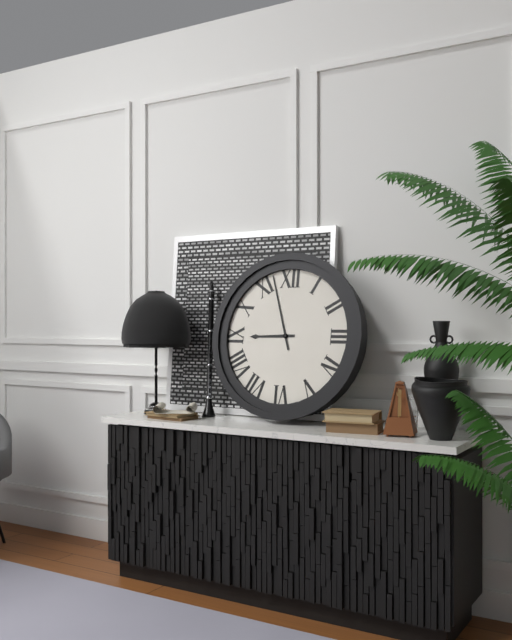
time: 8:57
